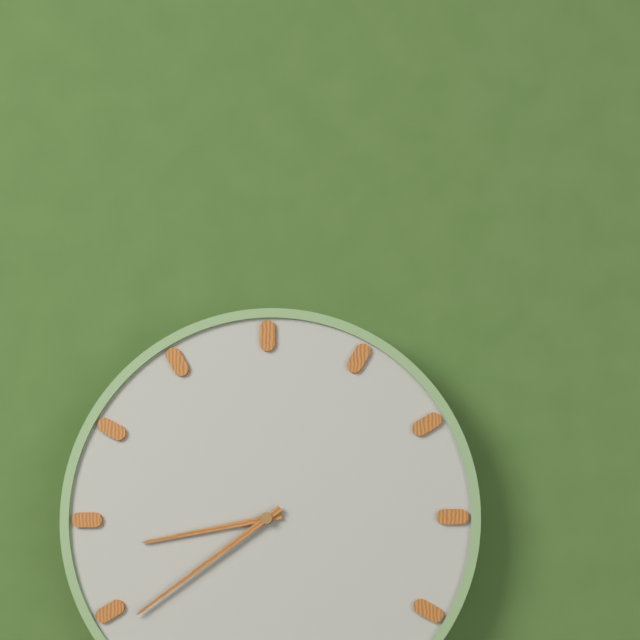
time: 8:39
